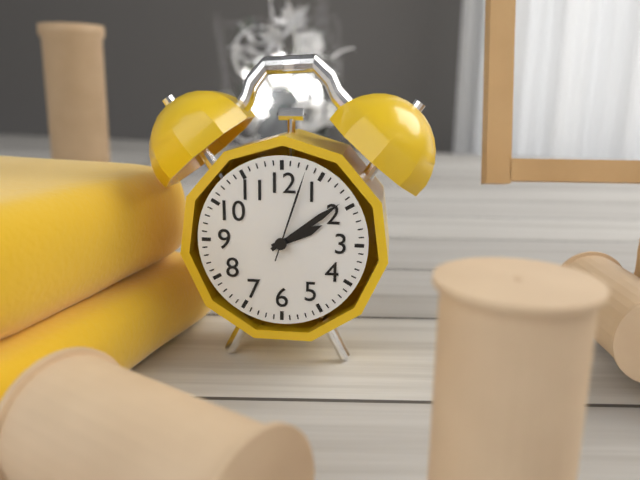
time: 2:09:03
